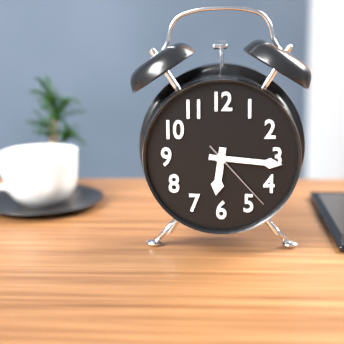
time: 6:16:23
